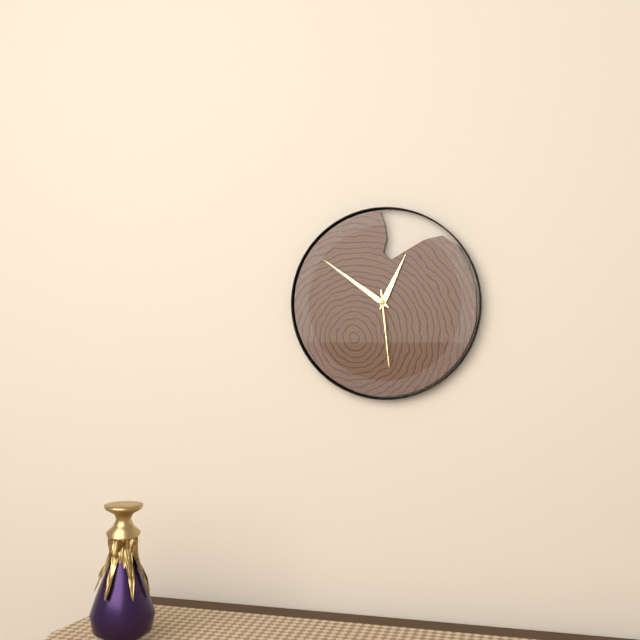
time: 12:51:29
